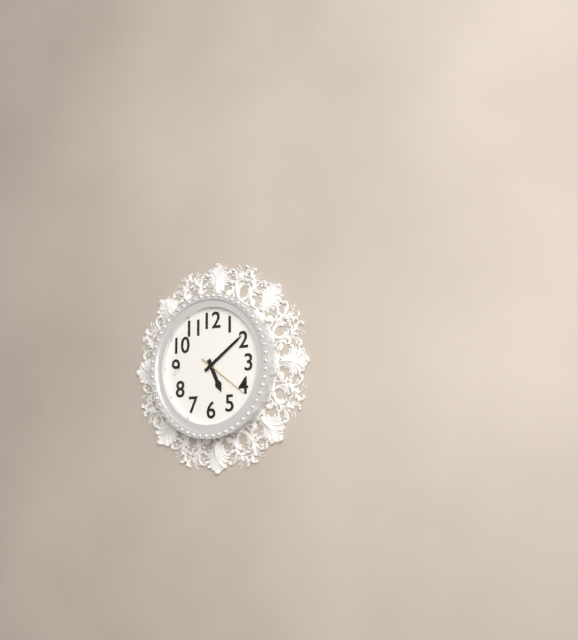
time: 5:09:21
